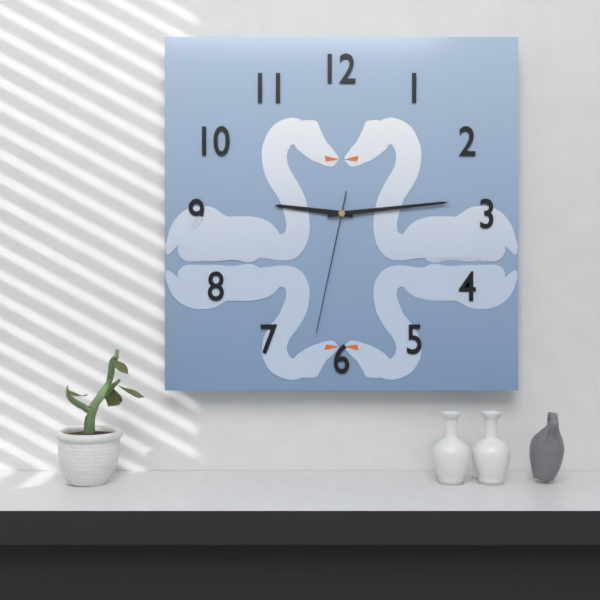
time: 9:14:32
